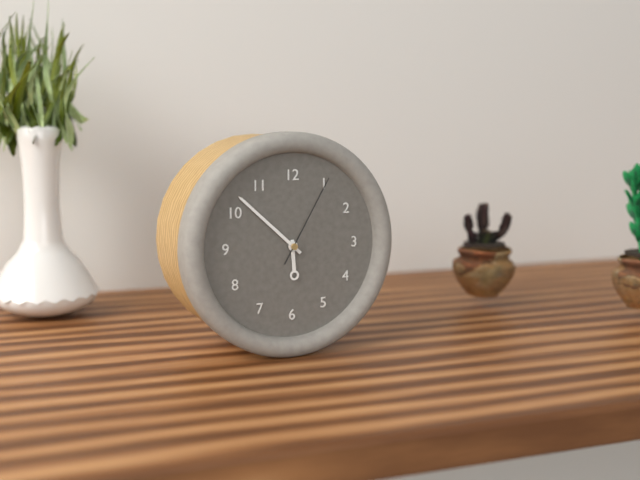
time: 5:52:05
